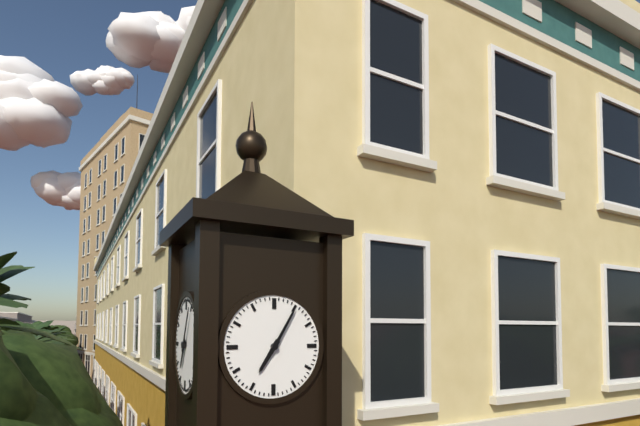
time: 7:05
